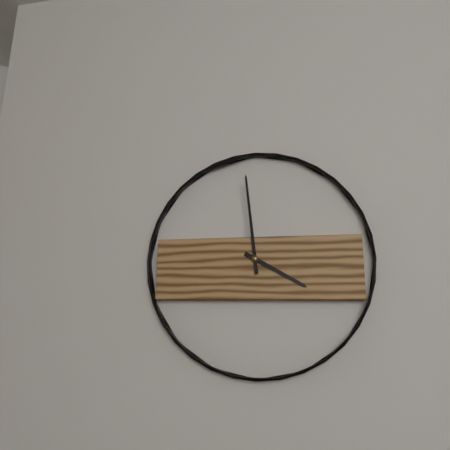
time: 3:59
